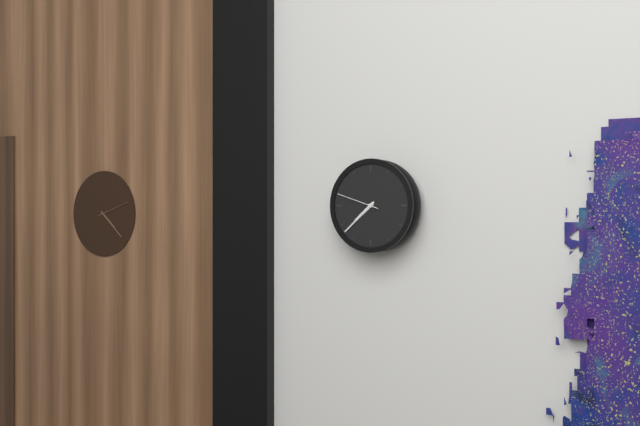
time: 7:38
